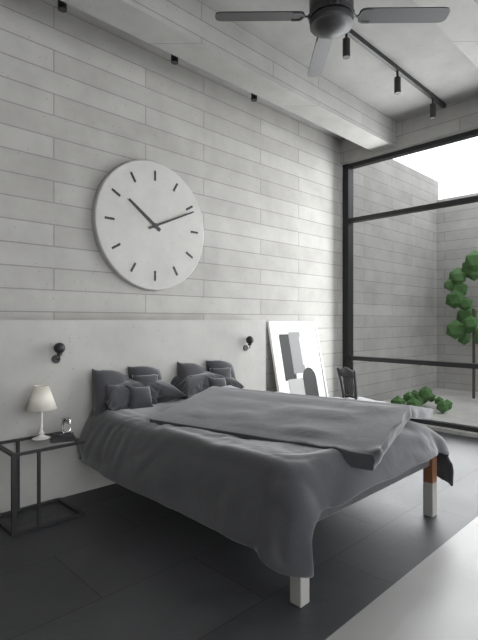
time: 10:11
